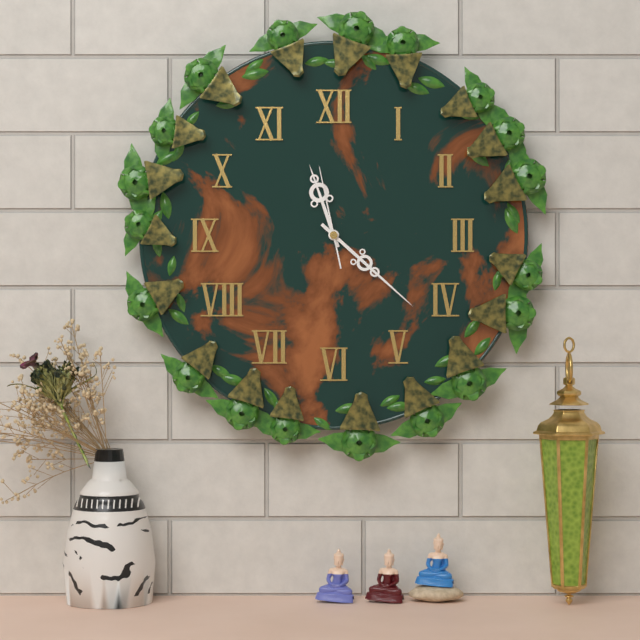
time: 11:22:58
